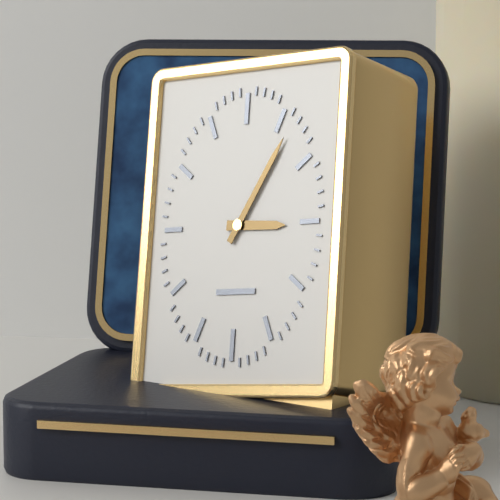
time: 3:05
